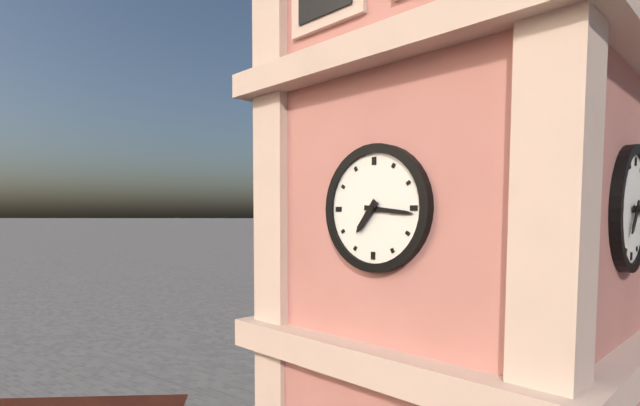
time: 7:16
